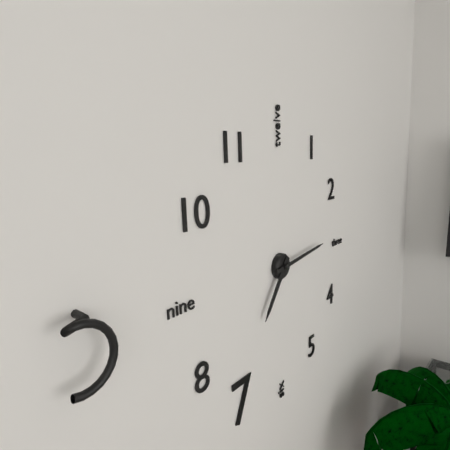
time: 7:14
